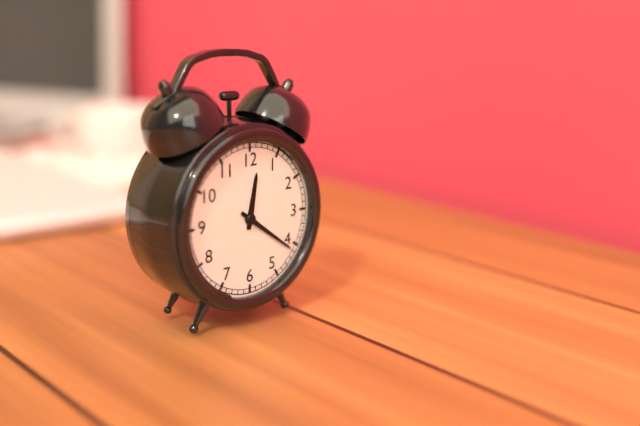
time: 12:21
